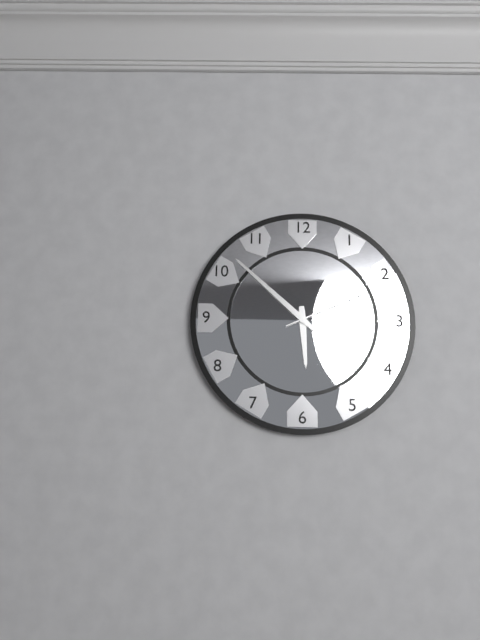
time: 5:52:11
